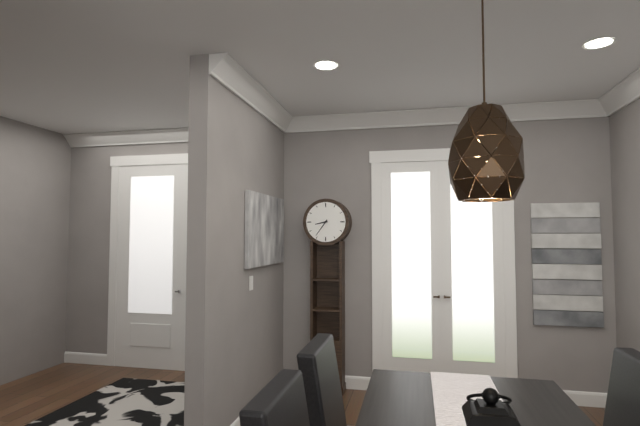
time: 8:36
